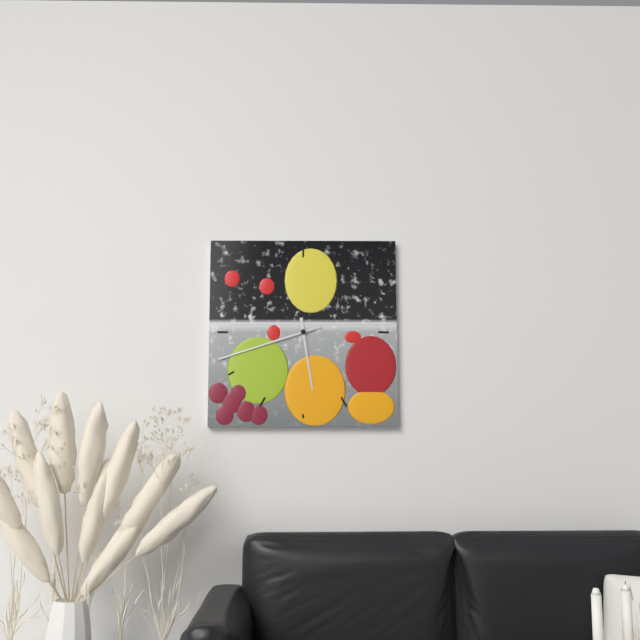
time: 5:42
